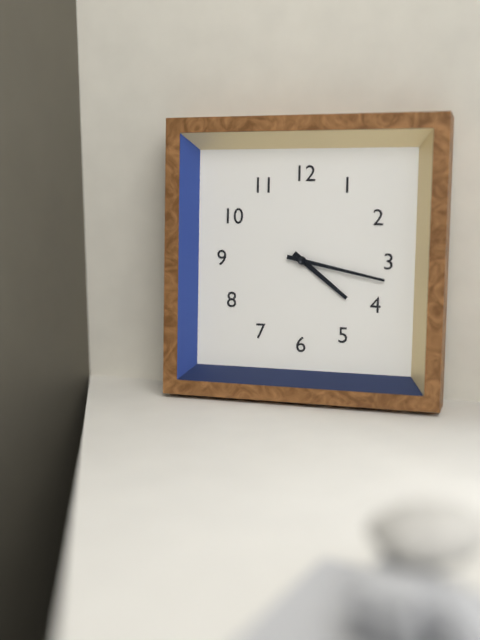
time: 4:17
